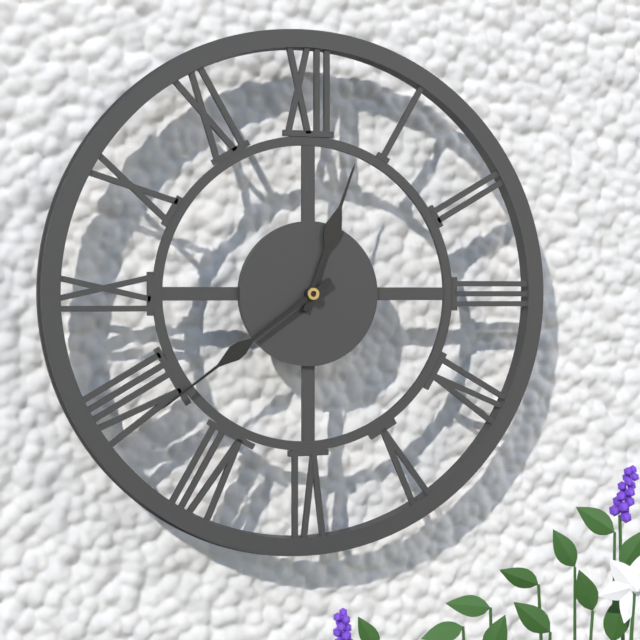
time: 12:39
